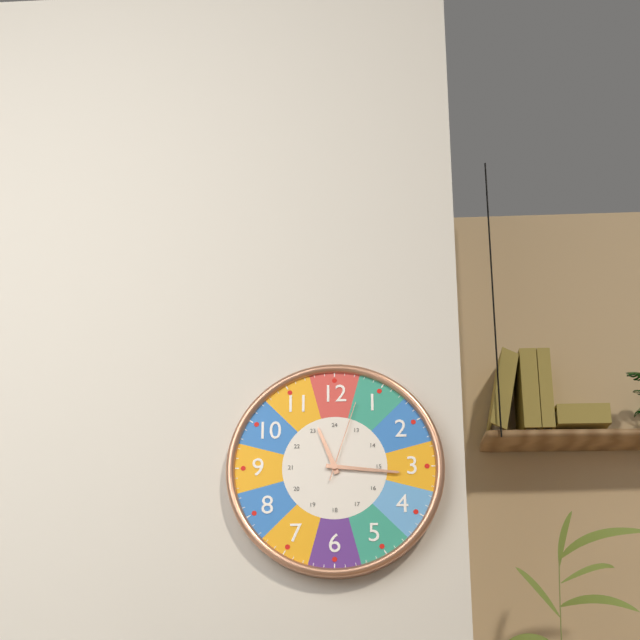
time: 11:16:03
